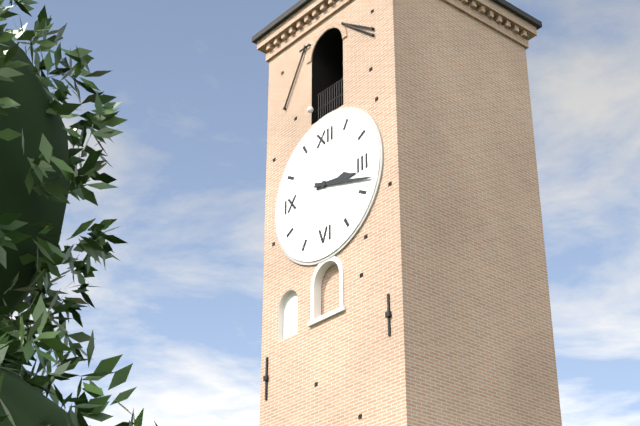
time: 3:18
